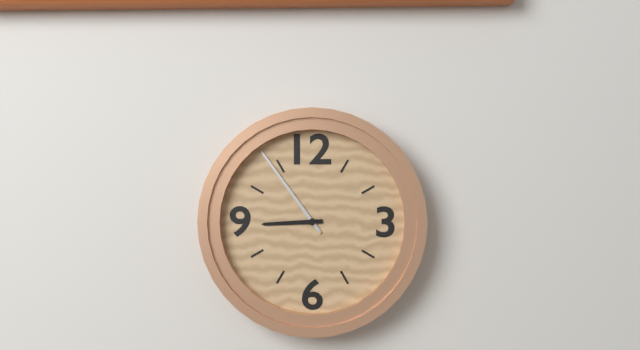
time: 8:54
